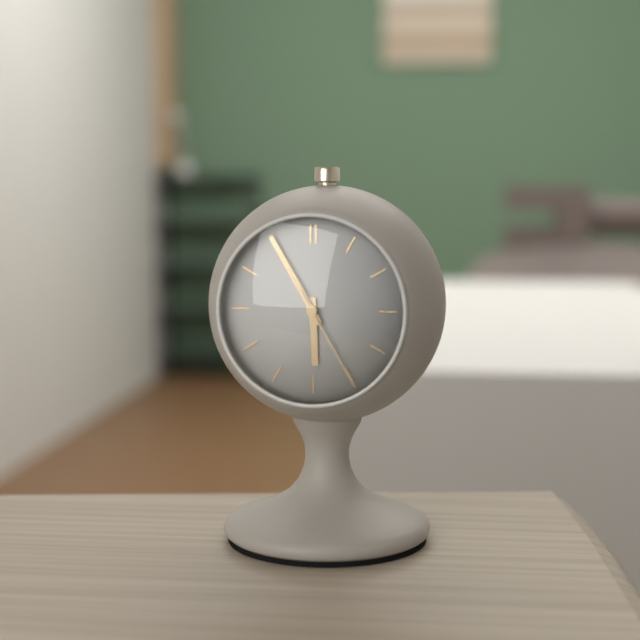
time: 5:55:25
